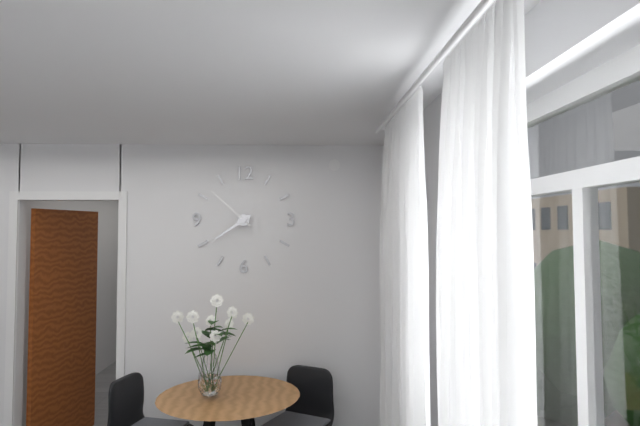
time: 7:52
